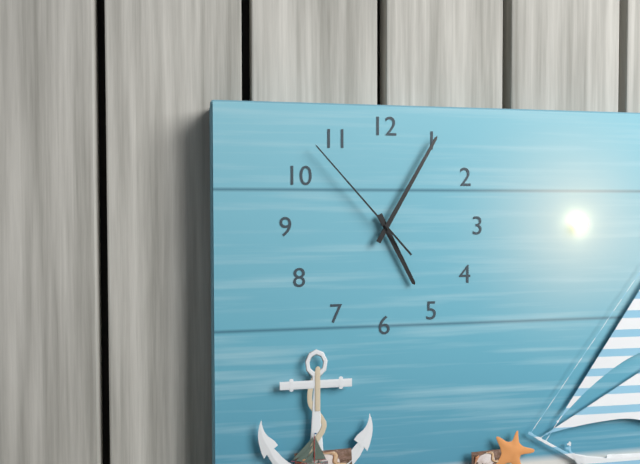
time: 5:05:53
